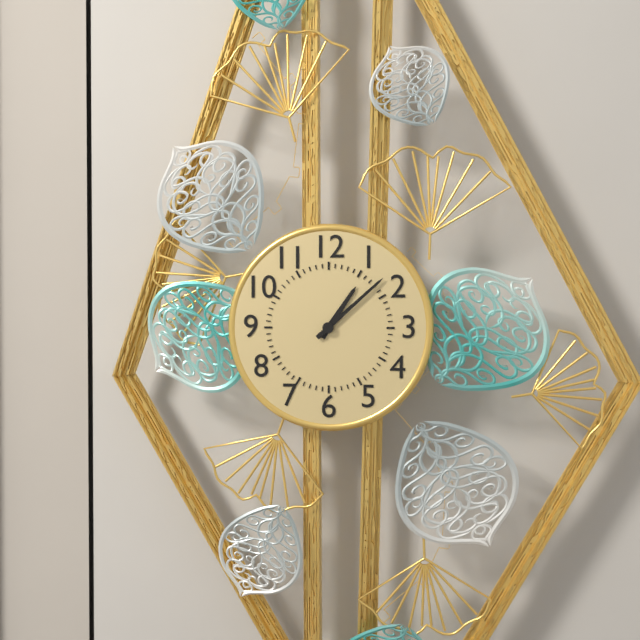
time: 1:08
